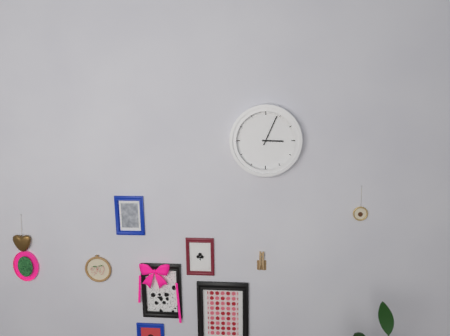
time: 3:04
